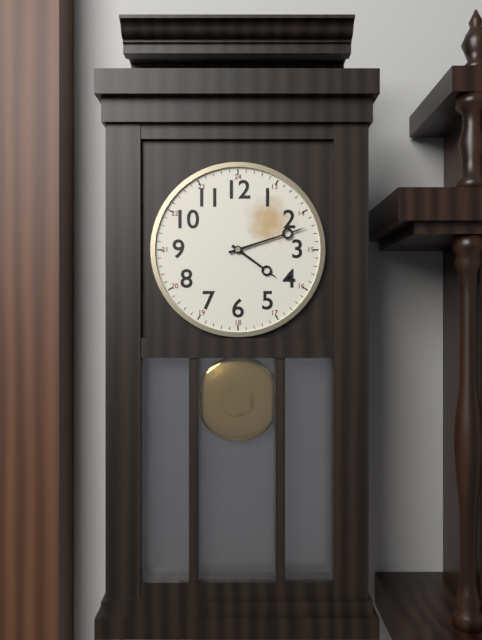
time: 4:12
